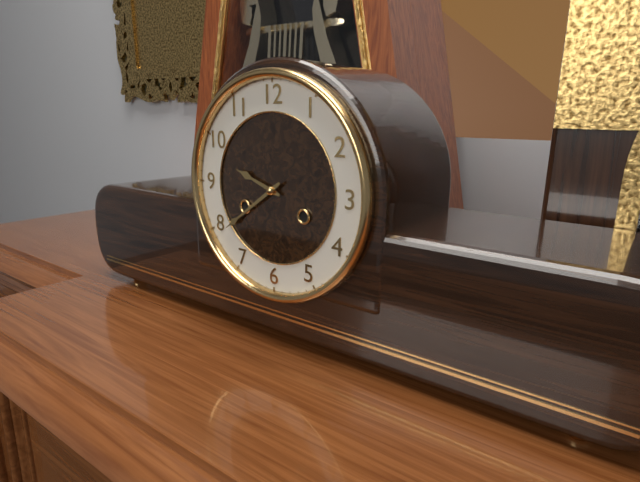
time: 9:39
